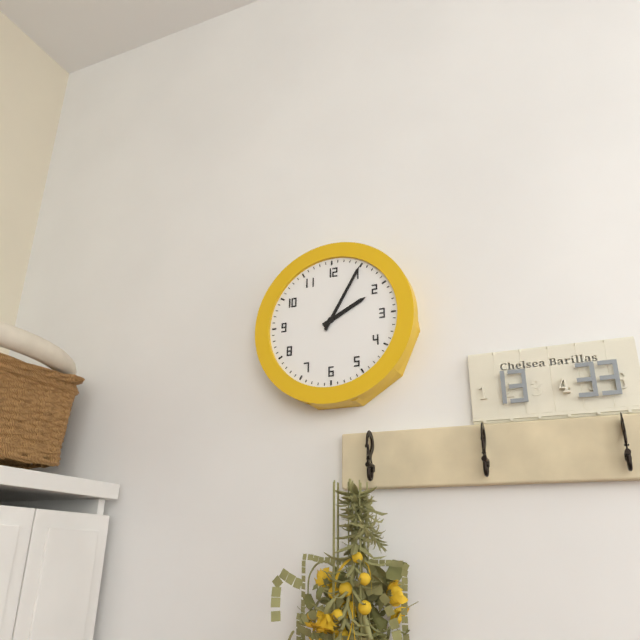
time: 2:05
